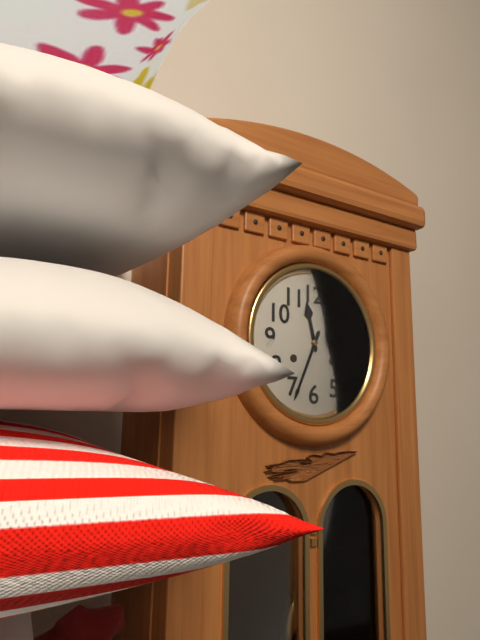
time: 11:34
